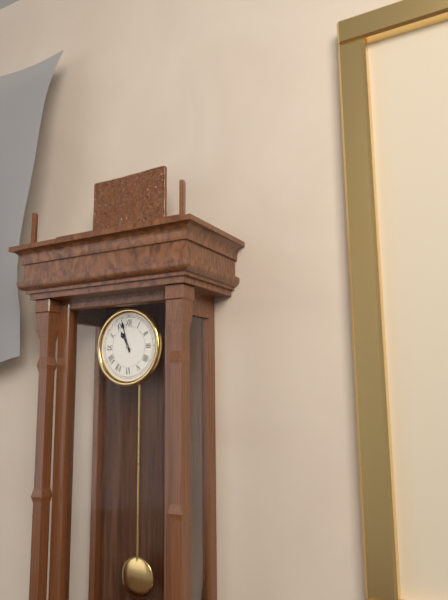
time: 10:57
